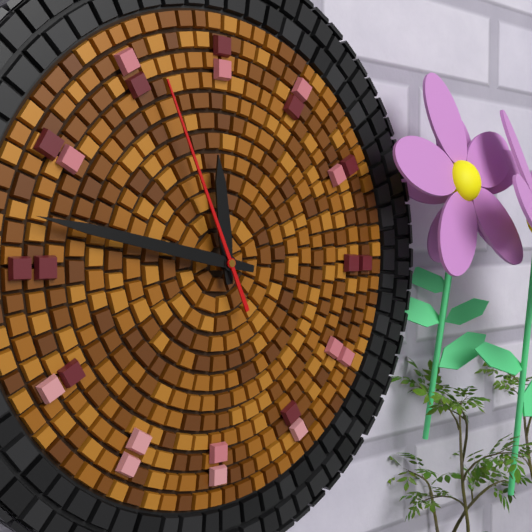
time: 11:47:56
